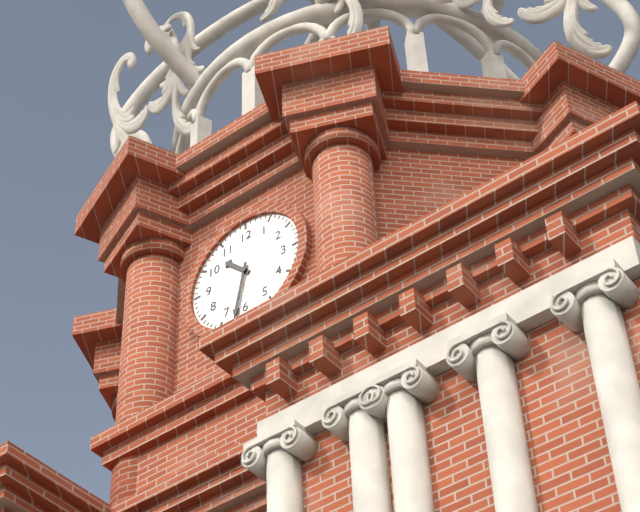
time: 10:32
